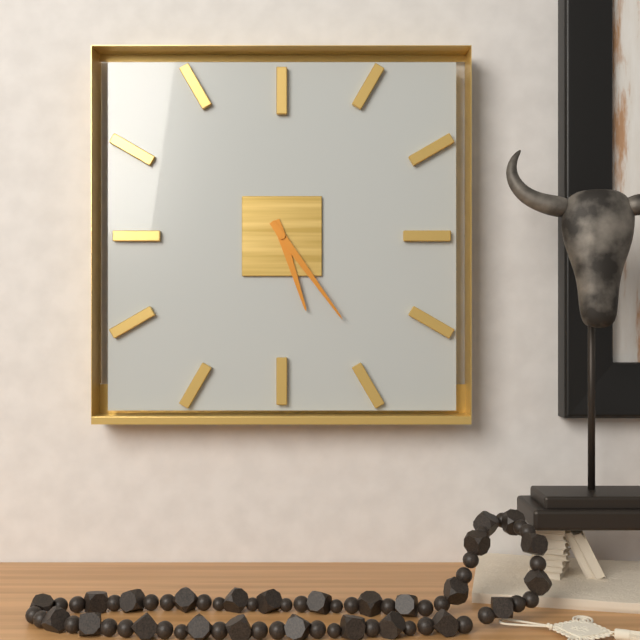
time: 5:24
